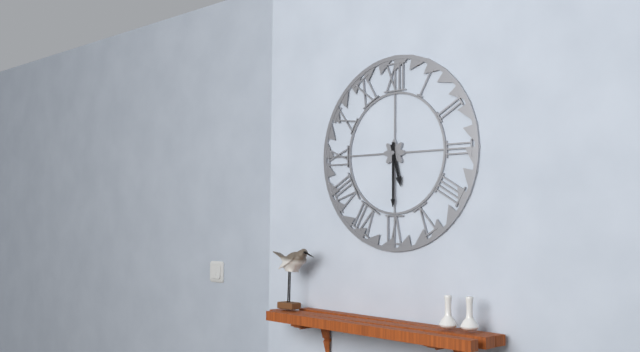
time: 5:30
